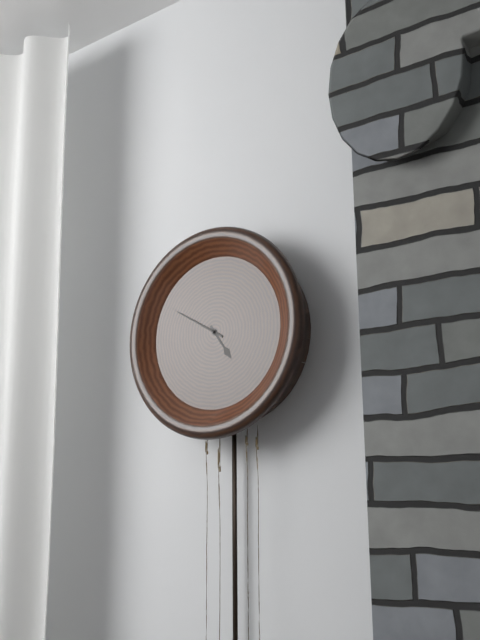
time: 4:50
